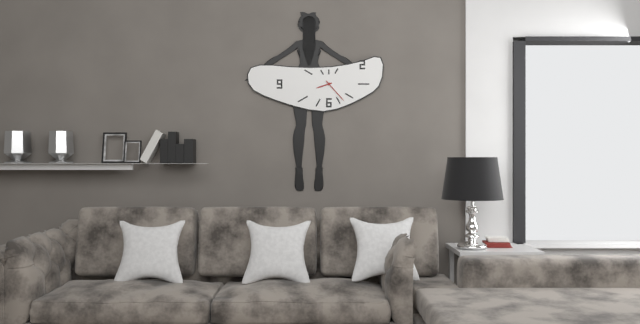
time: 8:23
